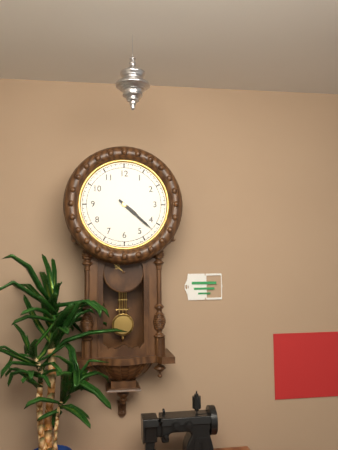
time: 4:22
